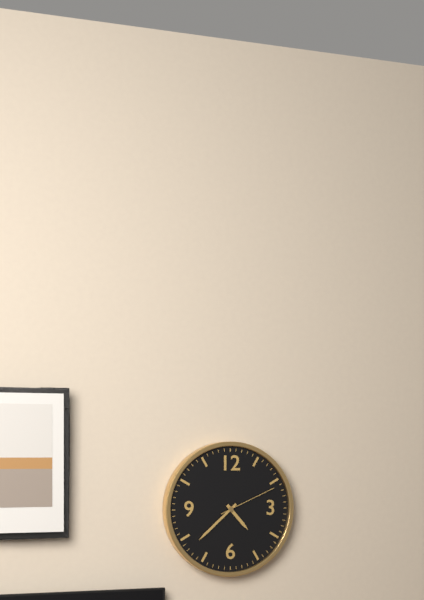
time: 4:38:11
